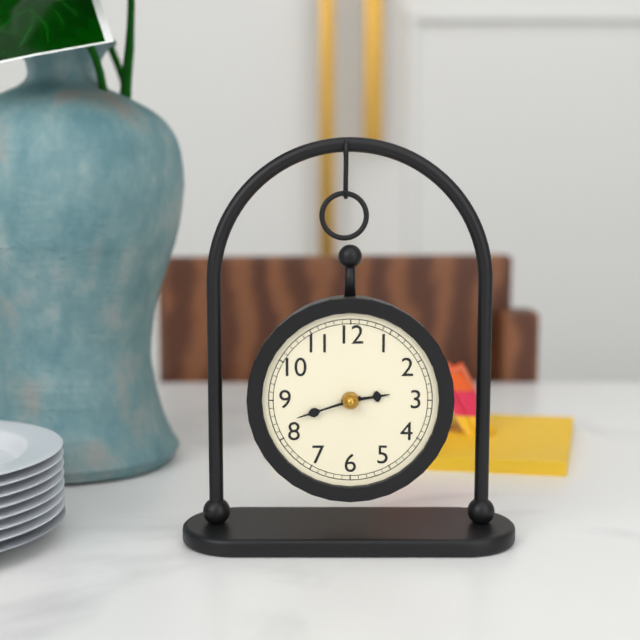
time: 2:42
